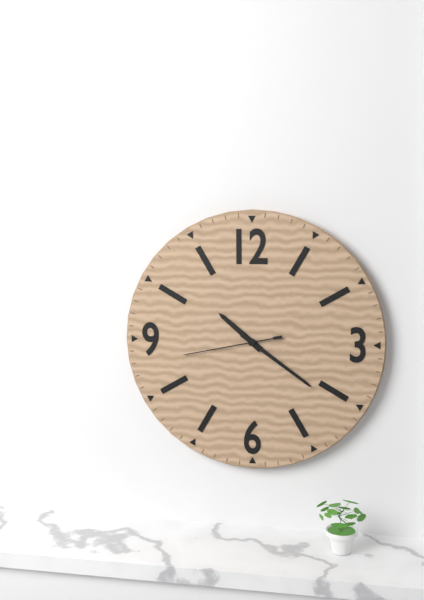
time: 10:21:43
